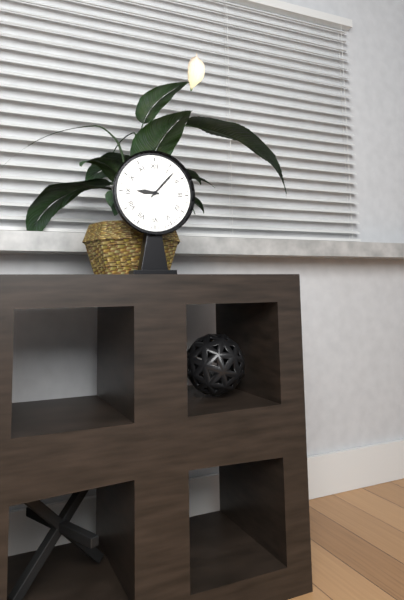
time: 9:07
